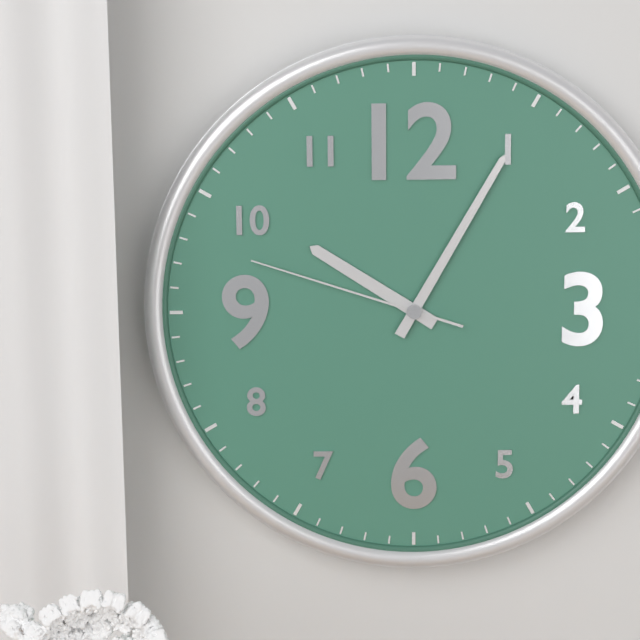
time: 10:05:48
